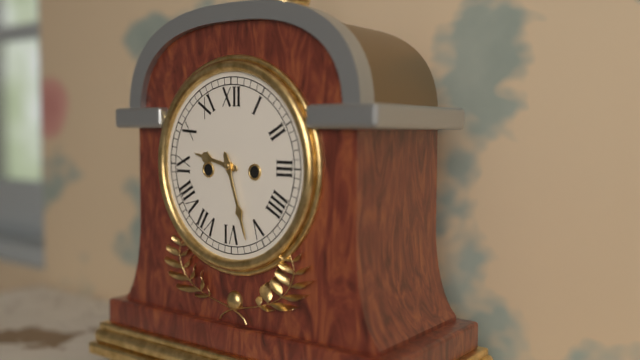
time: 9:27
